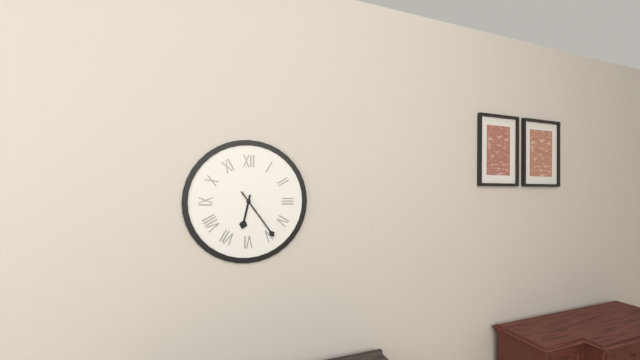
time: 6:24
